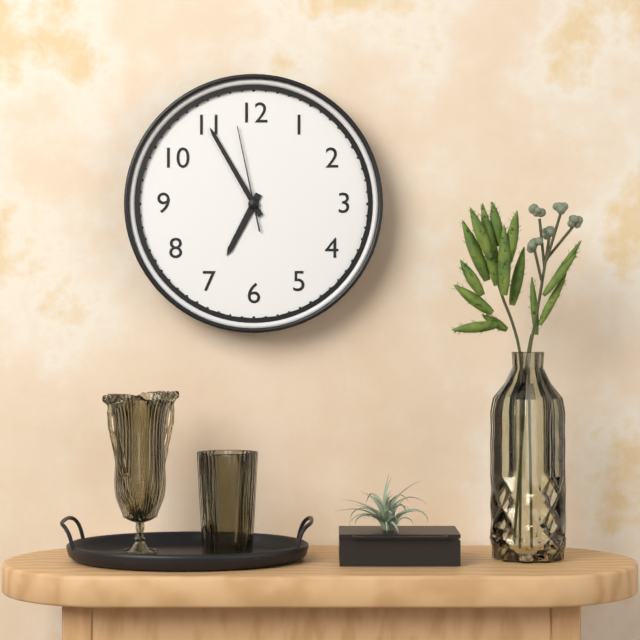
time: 6:55:58
